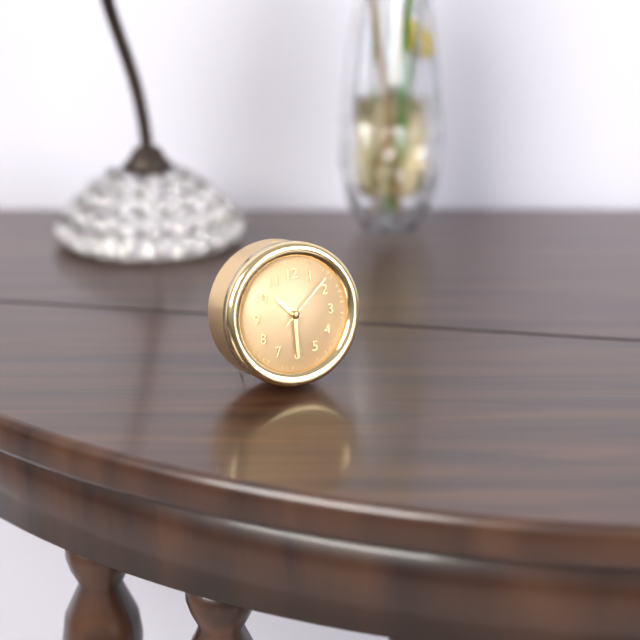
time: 10:30:08
